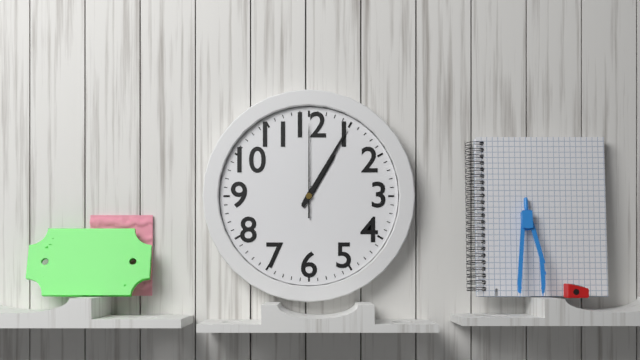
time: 1:05:00
